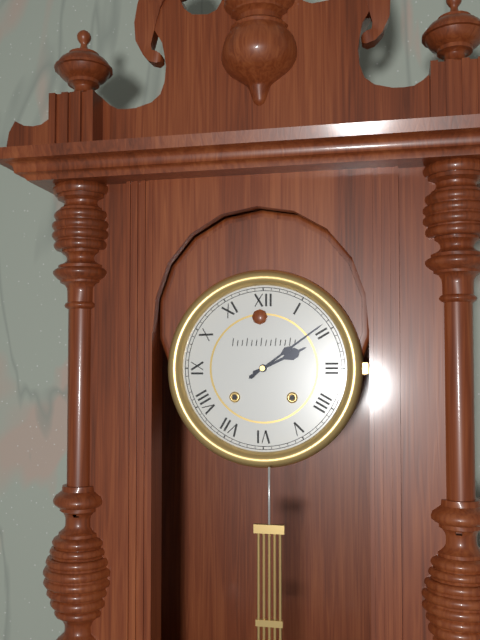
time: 2:09
